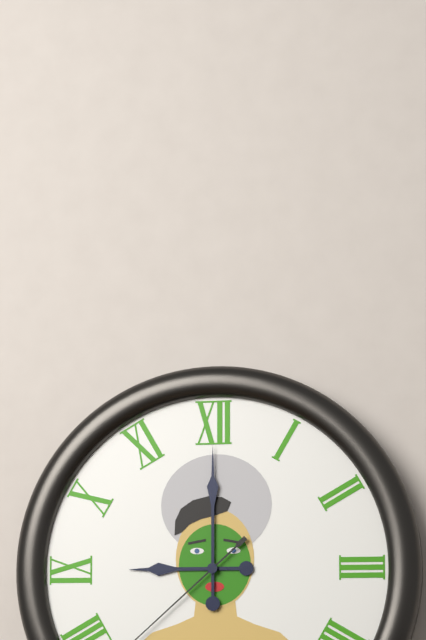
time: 9:00
